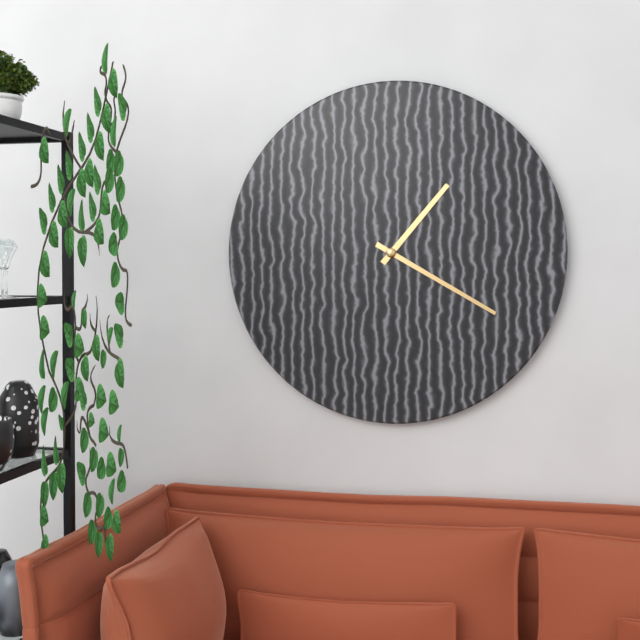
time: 1:20
